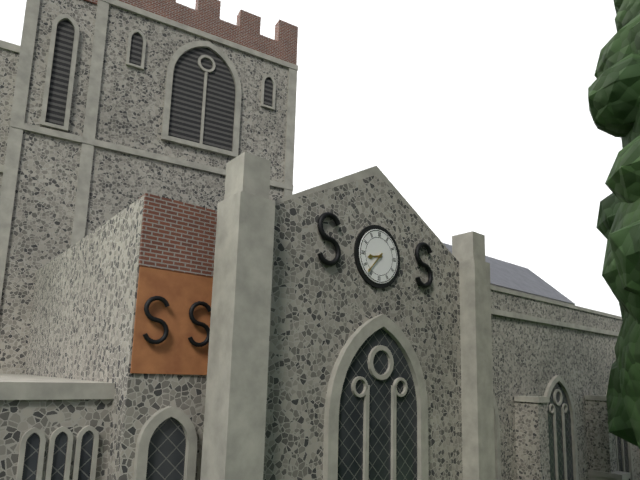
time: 8:37
